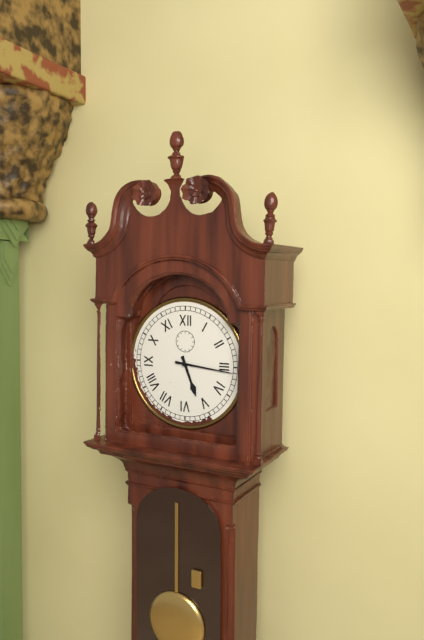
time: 5:16
